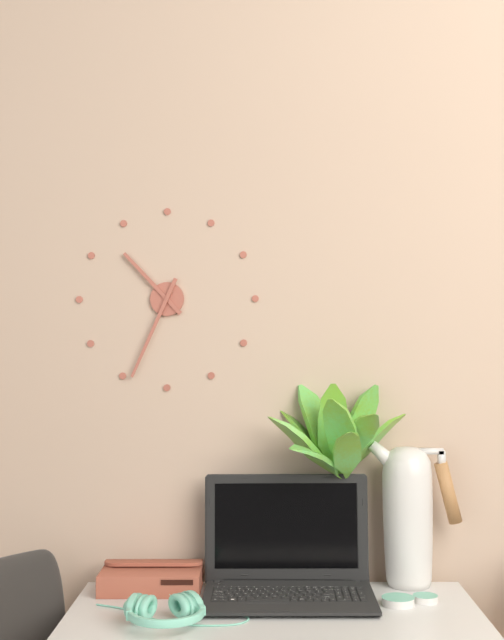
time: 10:34
